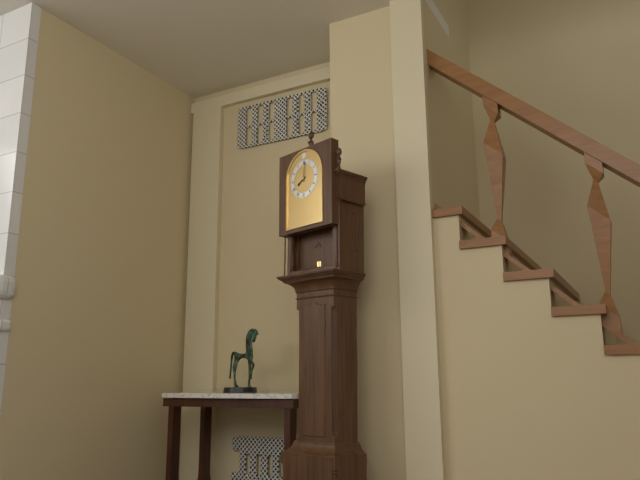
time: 8:01
